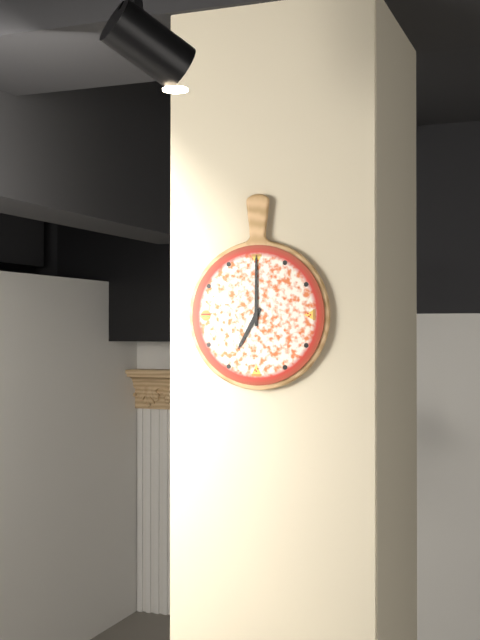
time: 7:00
